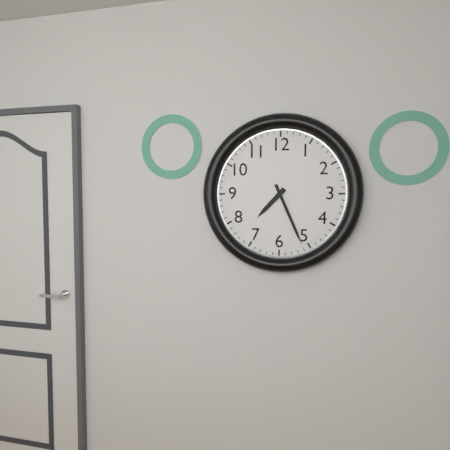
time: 7:26
